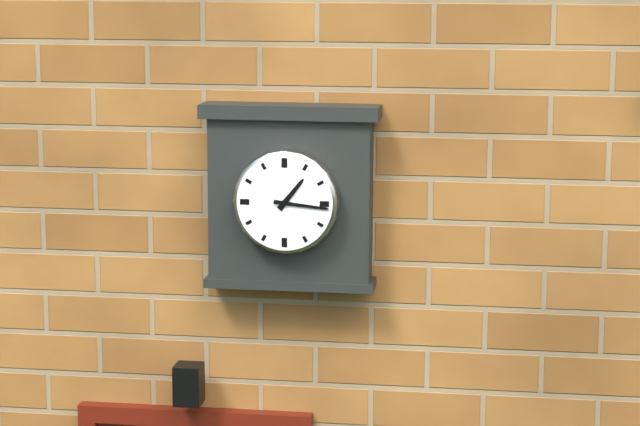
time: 1:16
